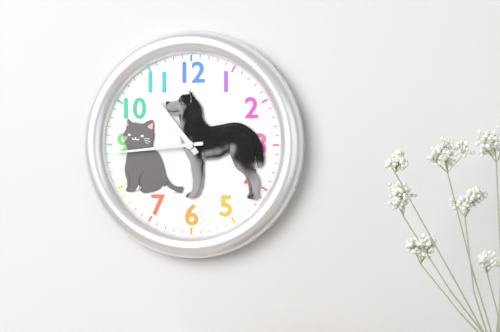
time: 10:44
